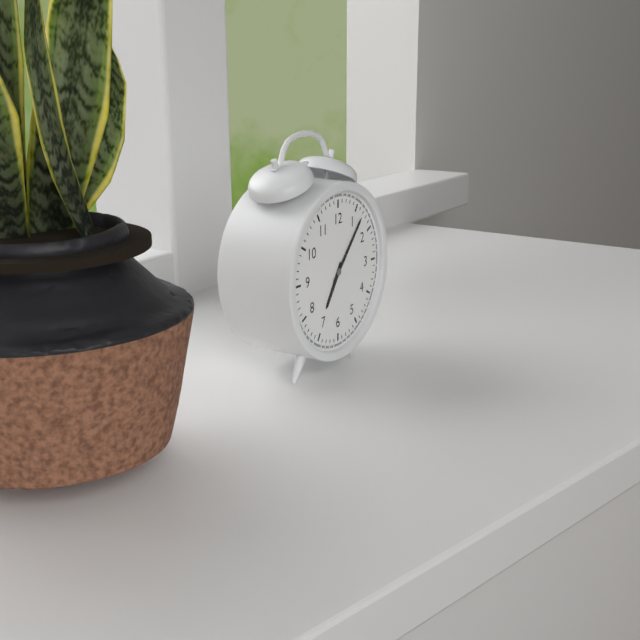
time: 7:07
